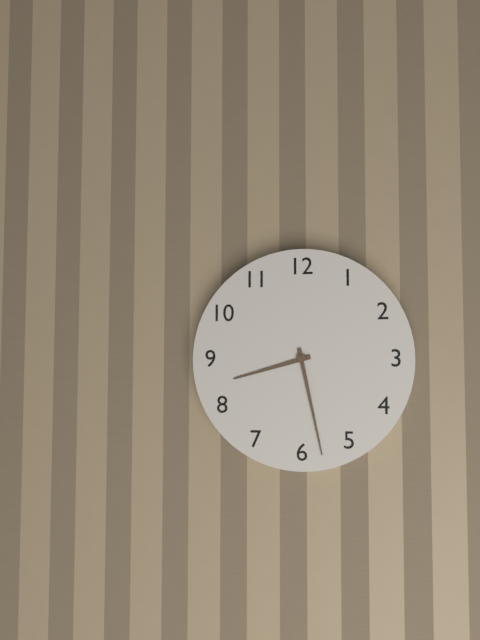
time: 8:28
